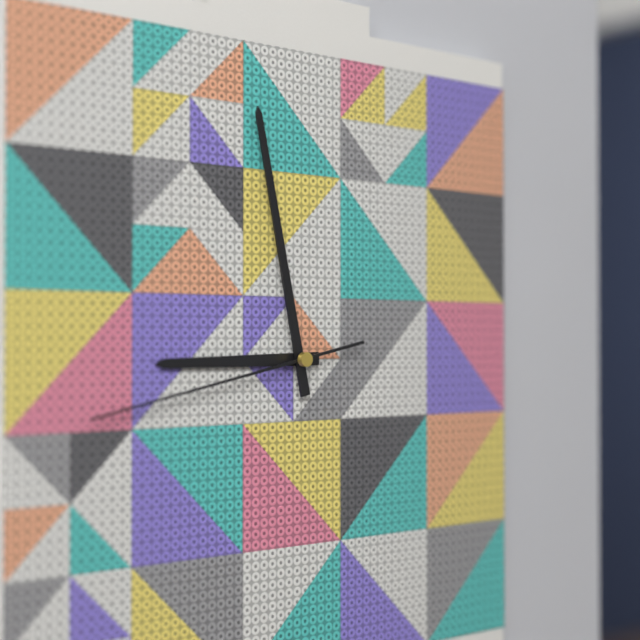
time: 8:58:43
